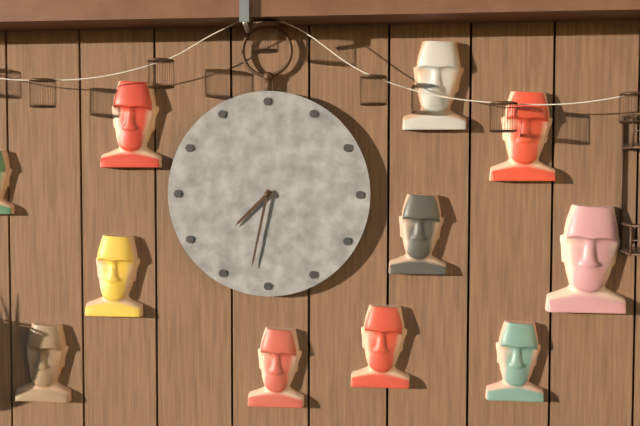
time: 7:32
